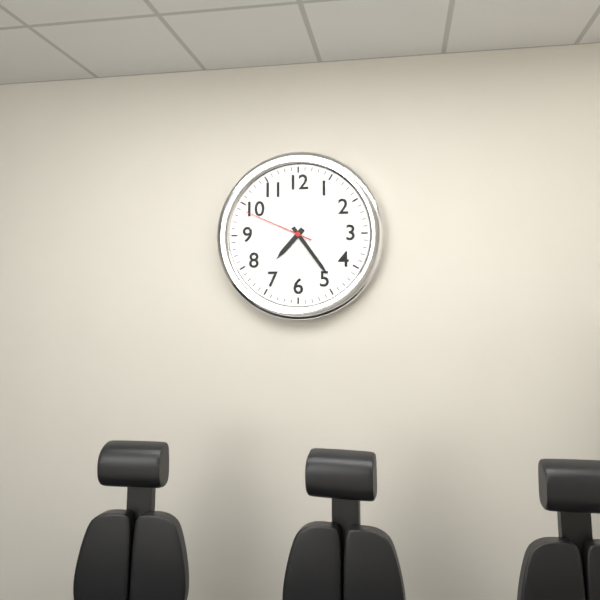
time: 7:24:49
